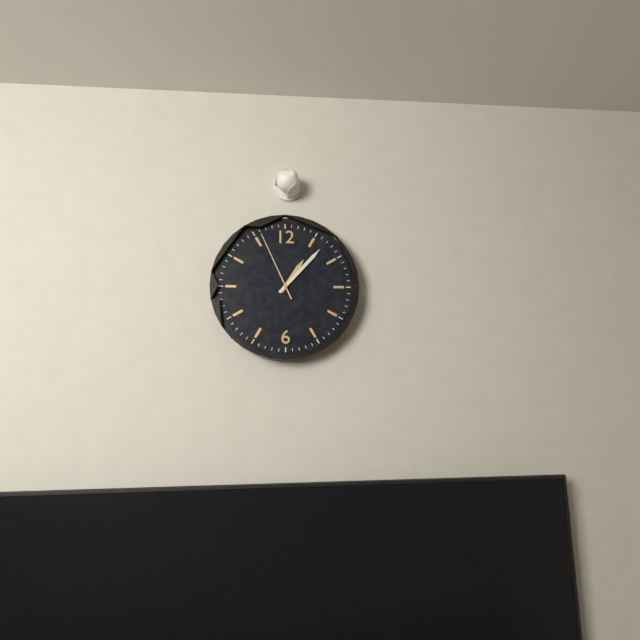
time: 1:07:56
